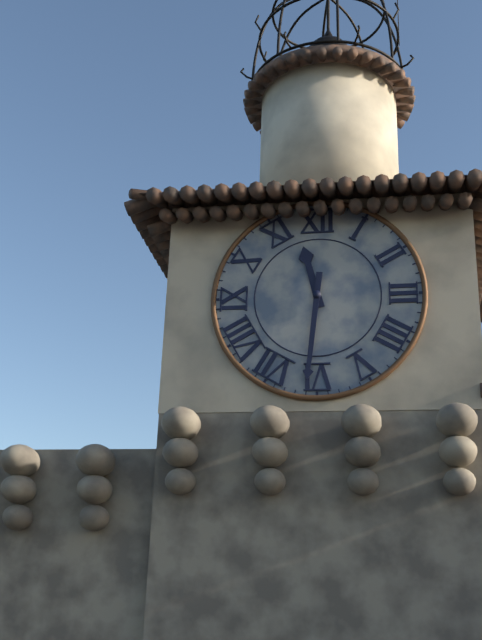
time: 11:31
